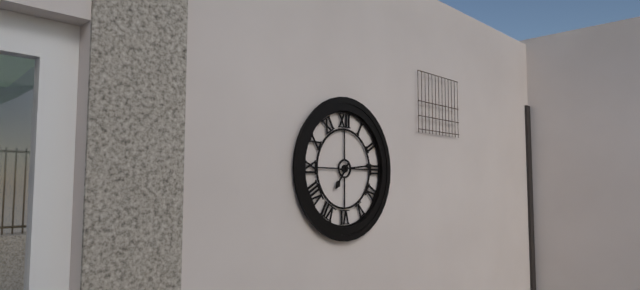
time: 7:14
